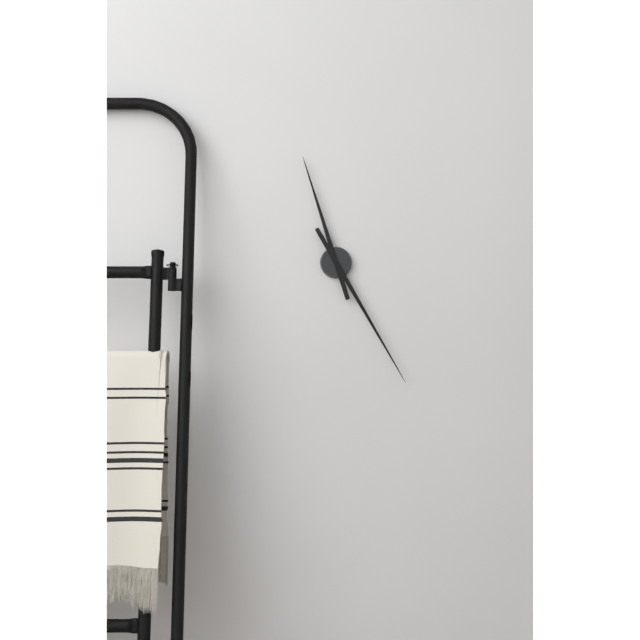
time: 11:25
